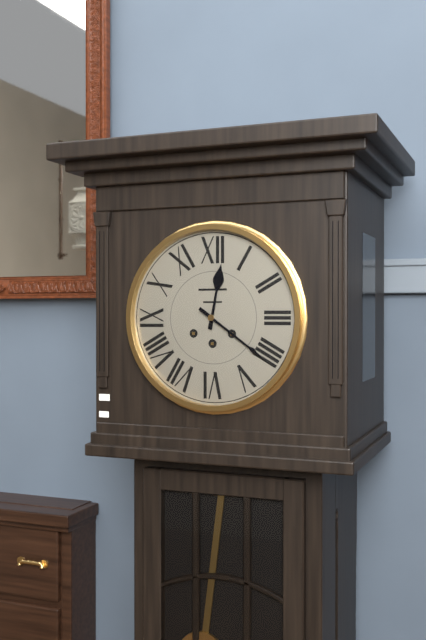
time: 12:21
